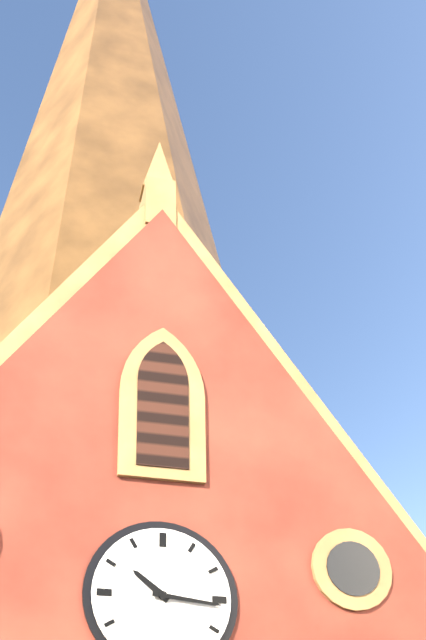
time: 10:16
